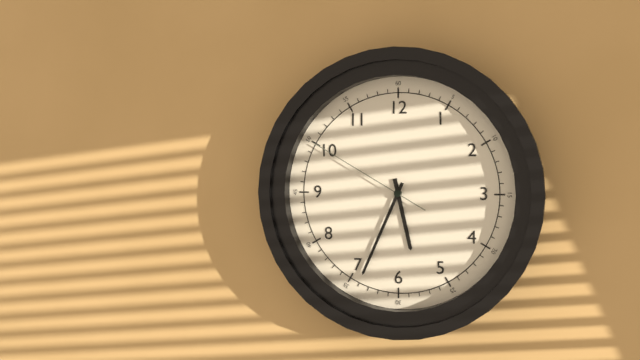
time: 5:34:50
